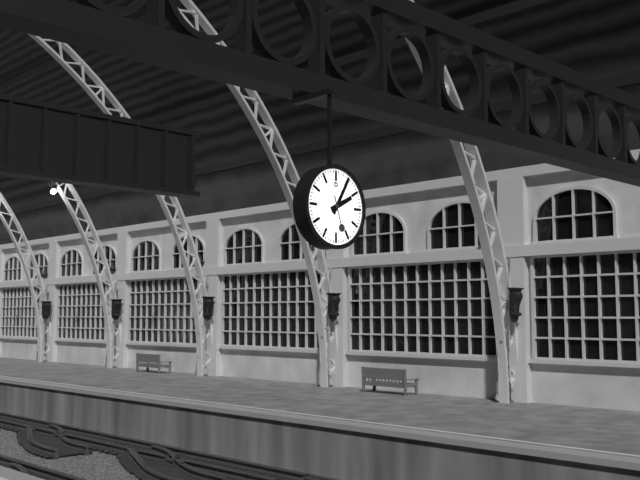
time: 2:05
